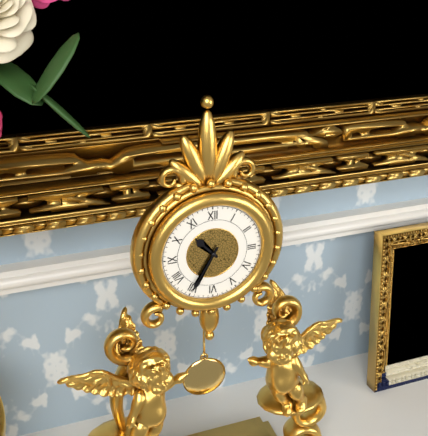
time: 10:35
